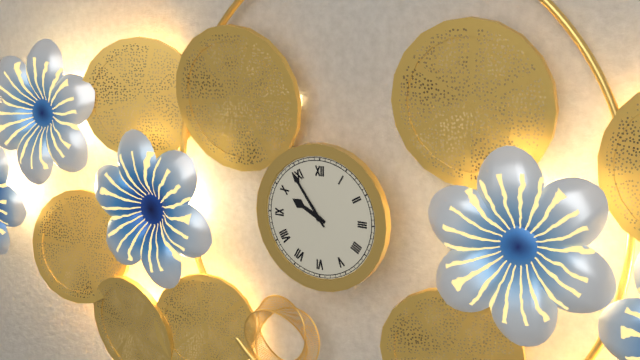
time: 9:54
